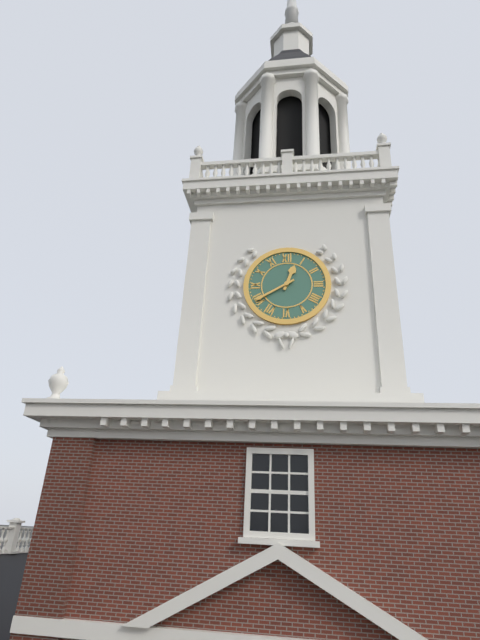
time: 12:40
